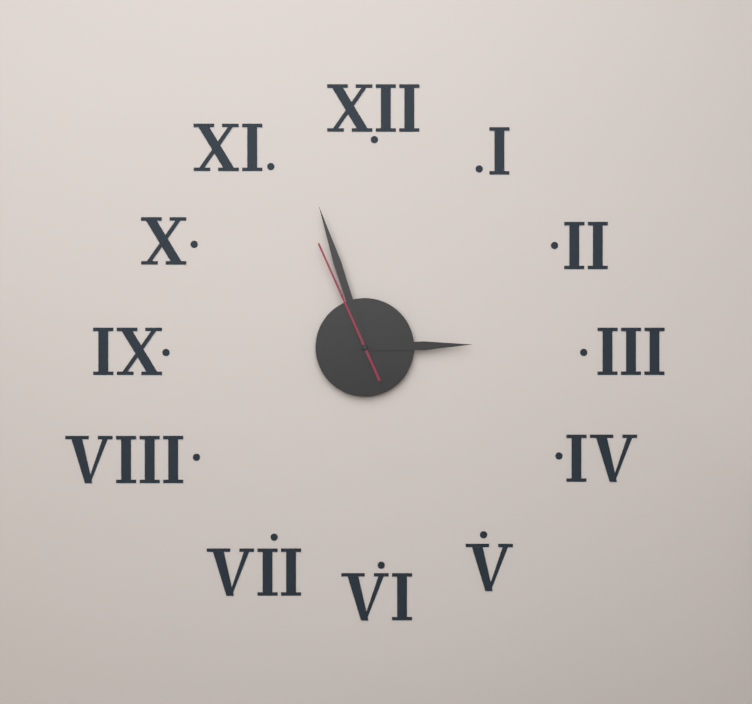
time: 2:57:56
